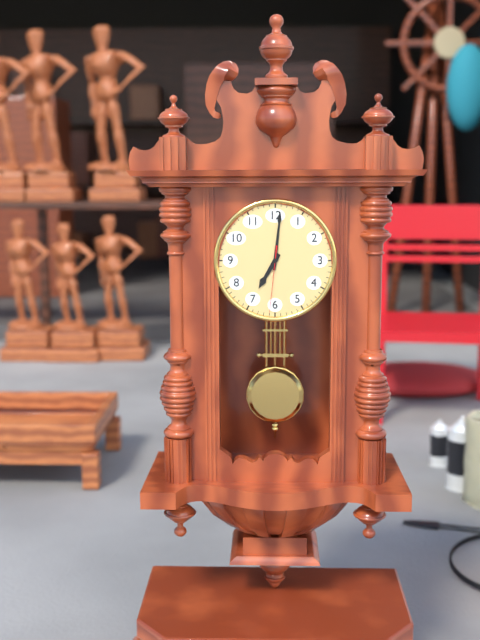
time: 7:01:31
